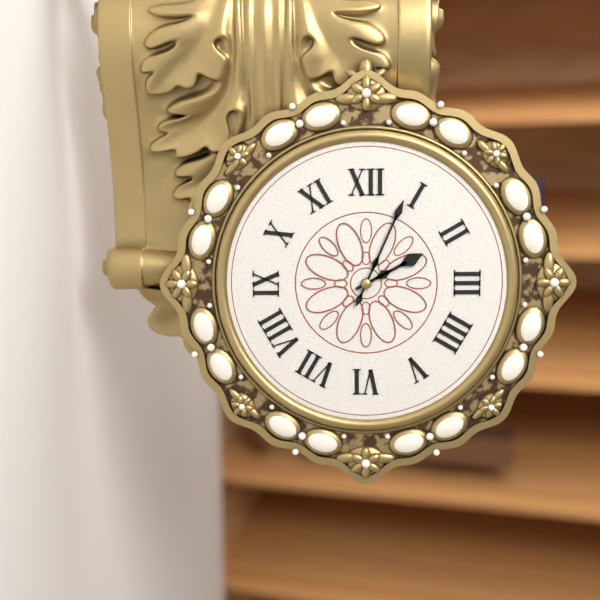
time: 2:04
